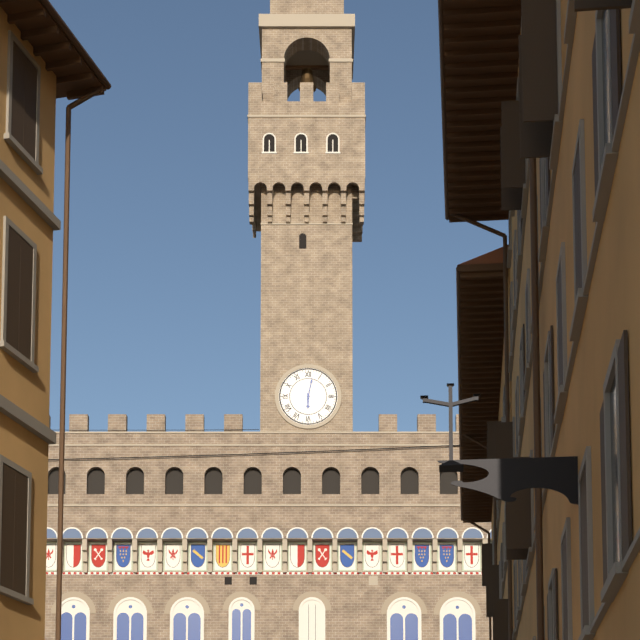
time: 6:02
